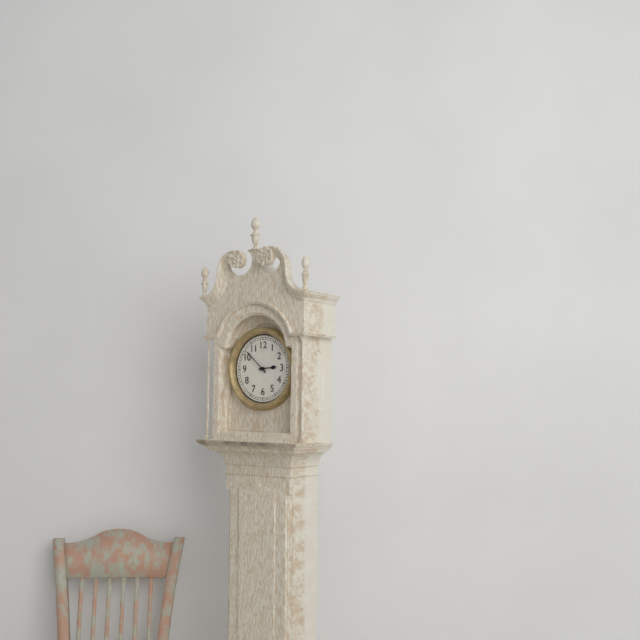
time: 2:52
